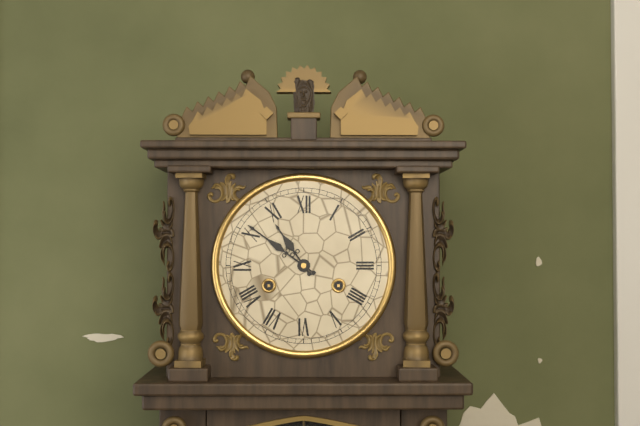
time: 10:51
